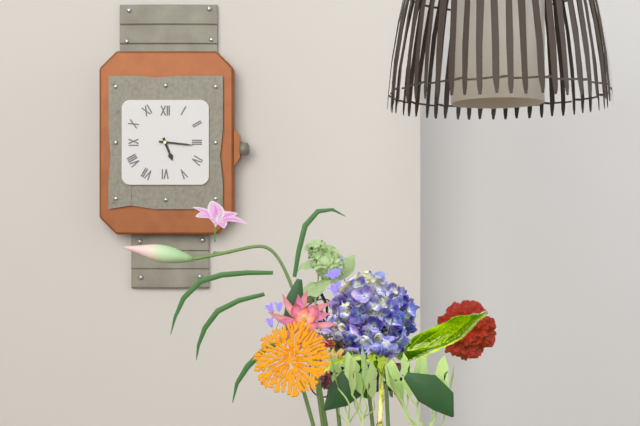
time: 5:16
